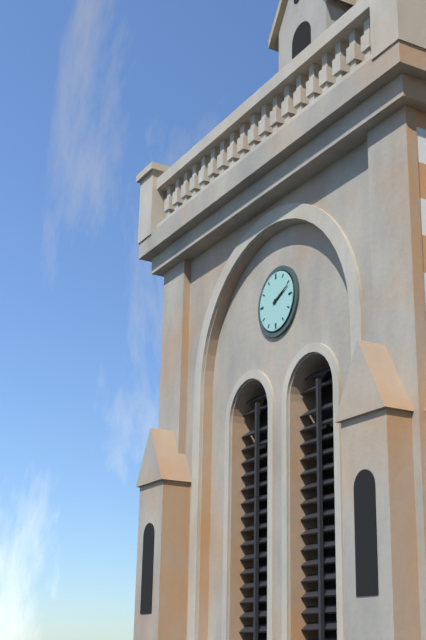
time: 2:11
